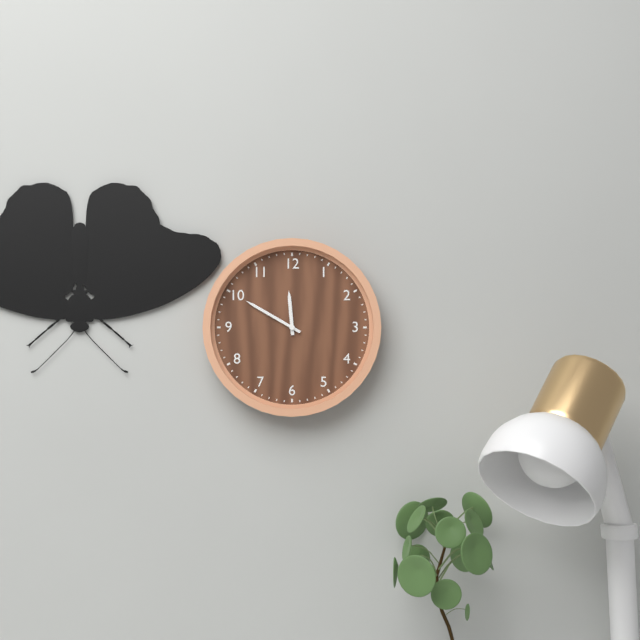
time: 11:50
